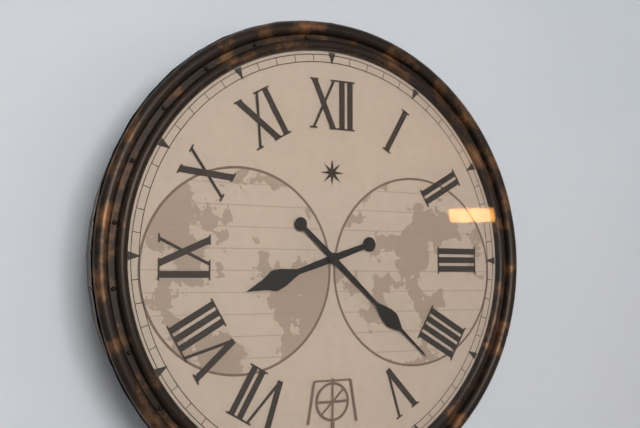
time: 8:22
